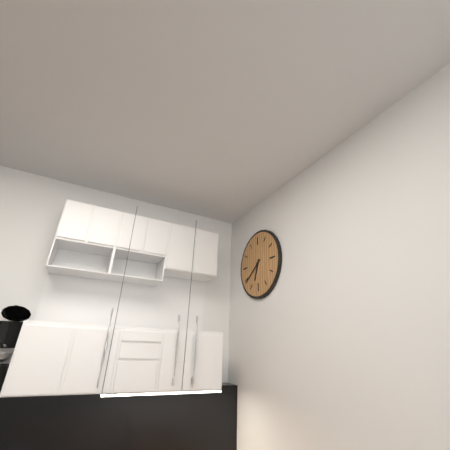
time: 6:39
